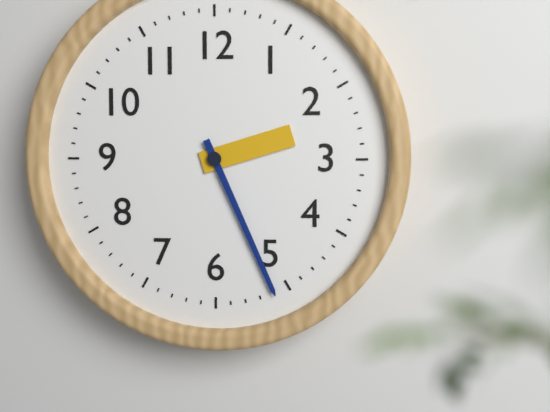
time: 2:26
